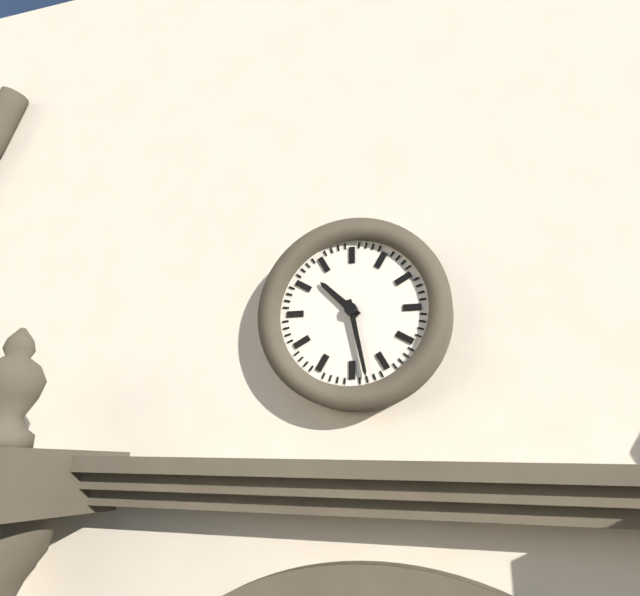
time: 10:28
